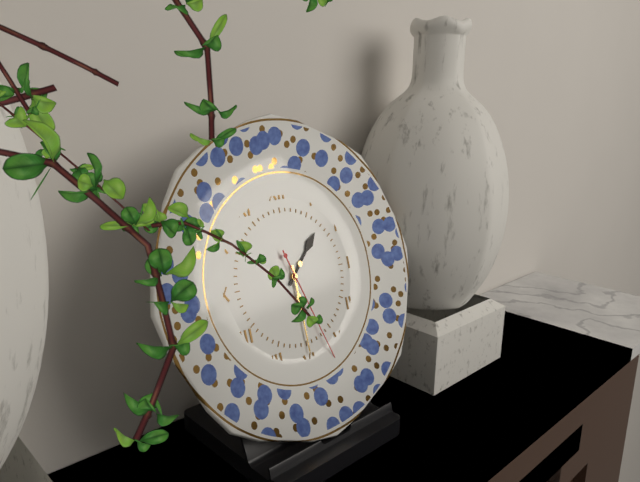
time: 1:30:27
